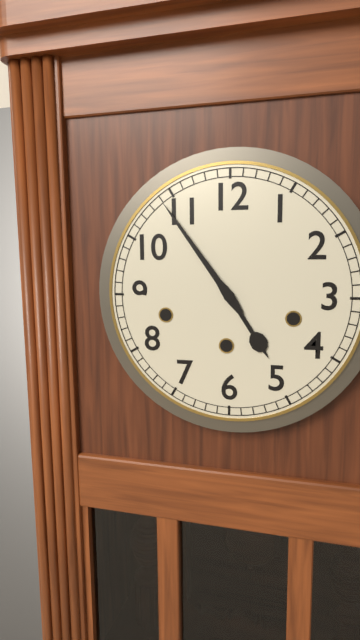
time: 4:54
